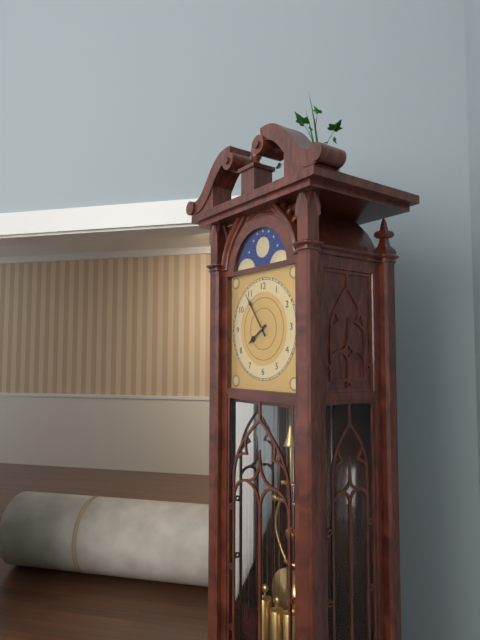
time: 7:54
